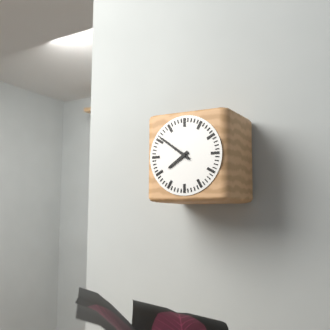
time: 7:51
